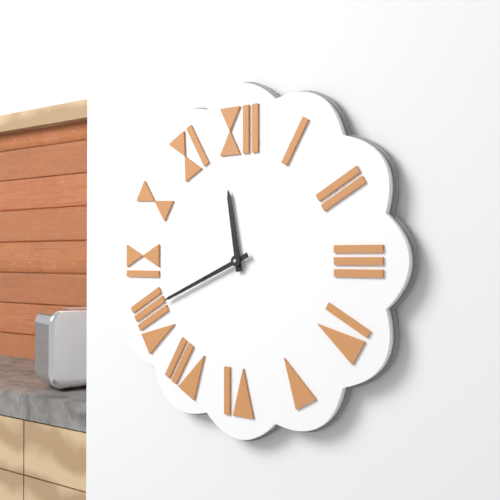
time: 11:41
